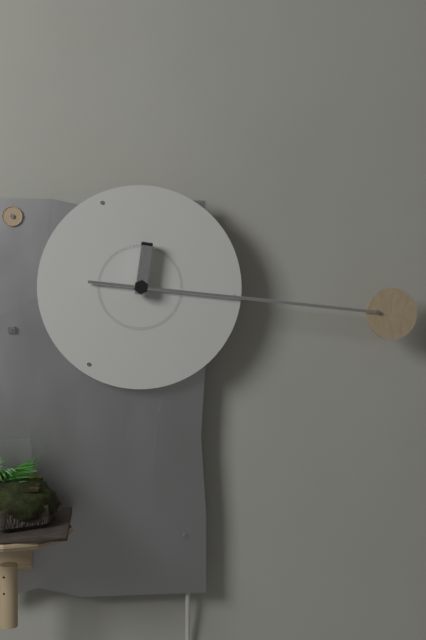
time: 12:16
